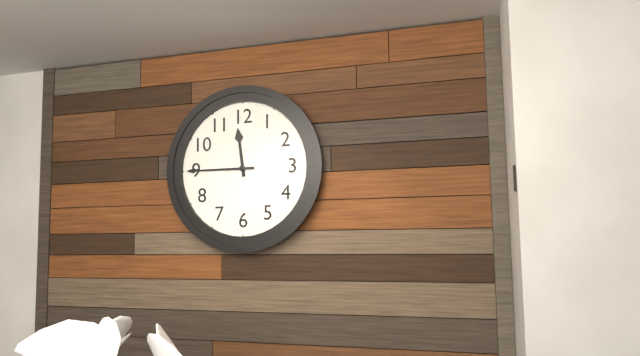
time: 11:45
